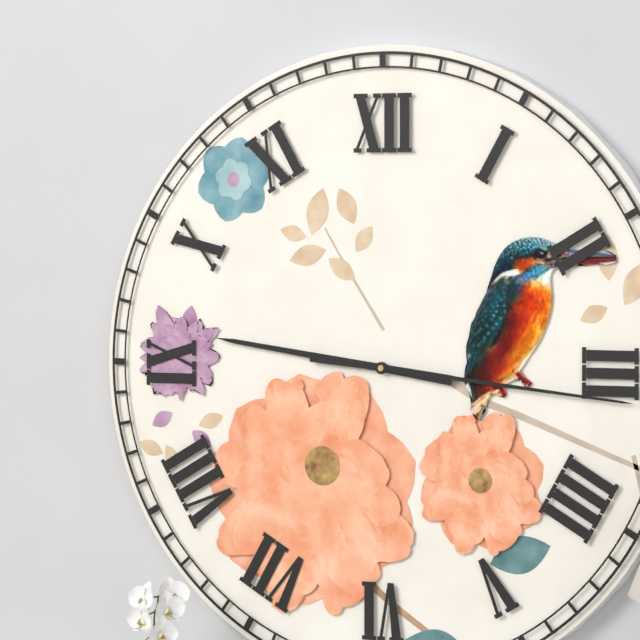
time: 9:16
